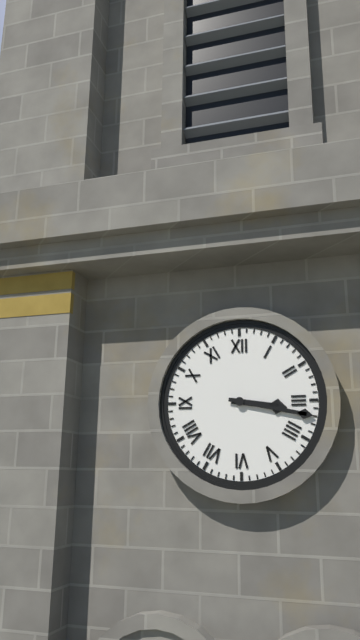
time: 3:17
